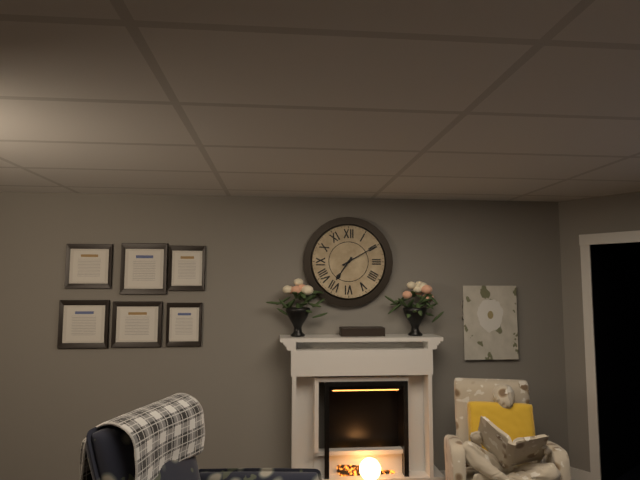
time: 7:10
